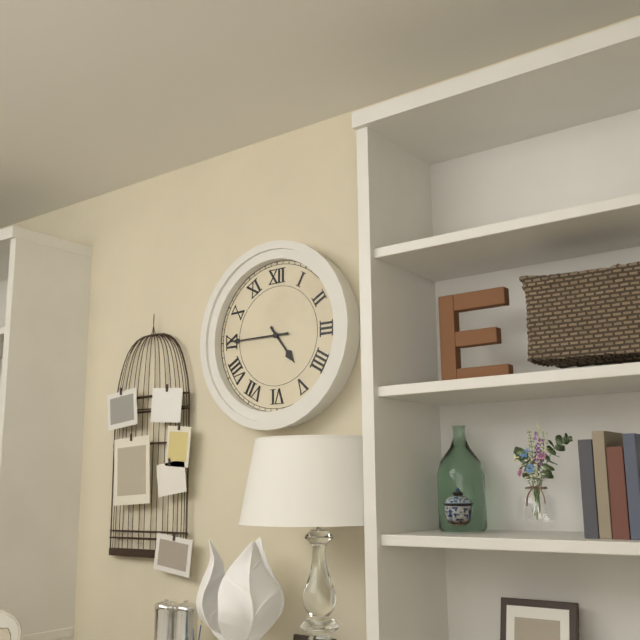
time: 4:45
